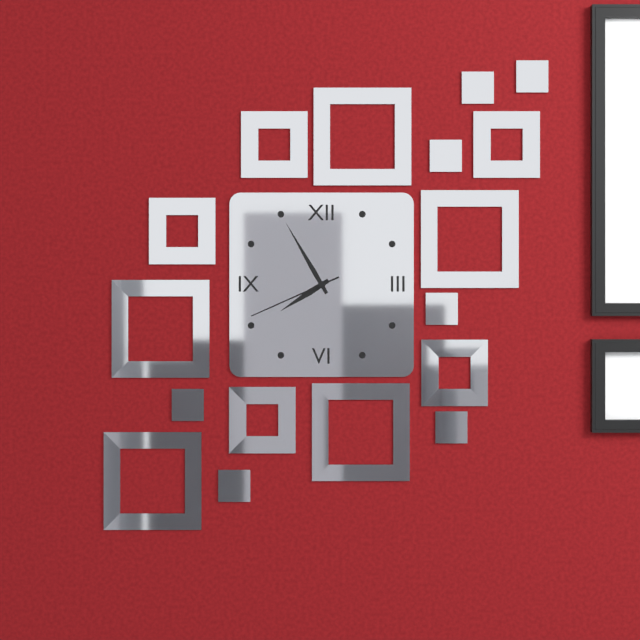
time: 7:55:41
